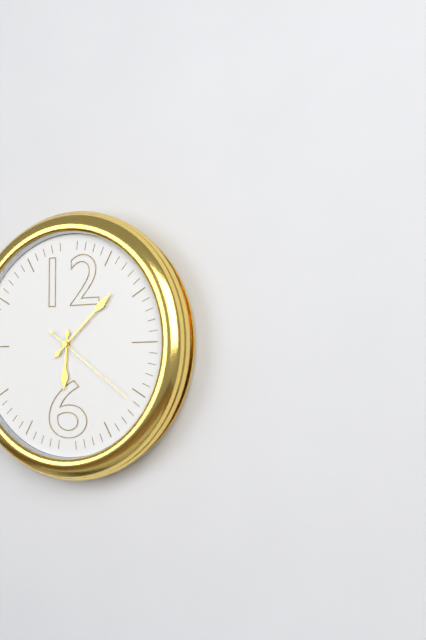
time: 6:08:21
